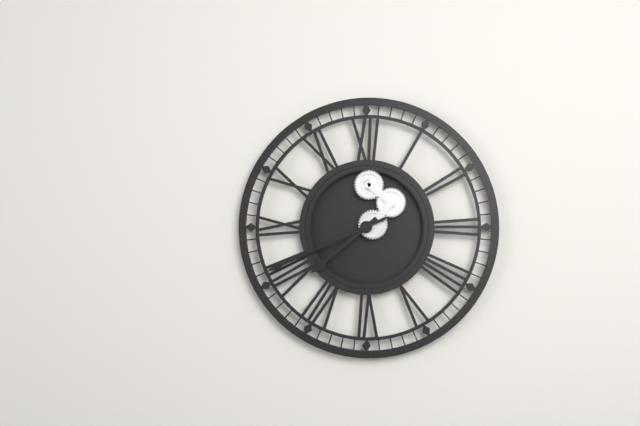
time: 7:41
